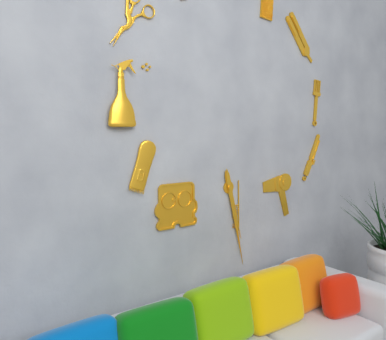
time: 5:28
